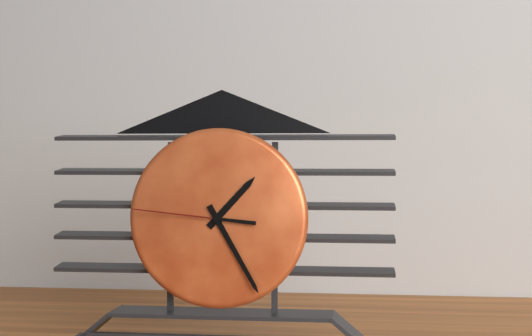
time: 1:25:46
